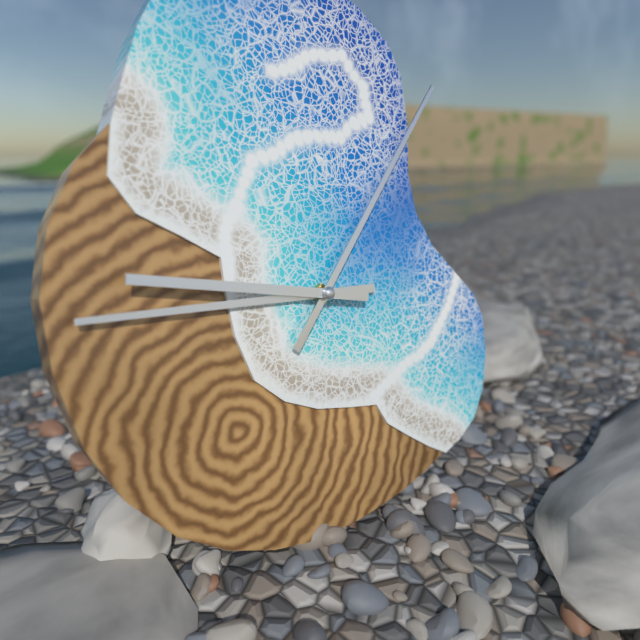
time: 9:07:47
